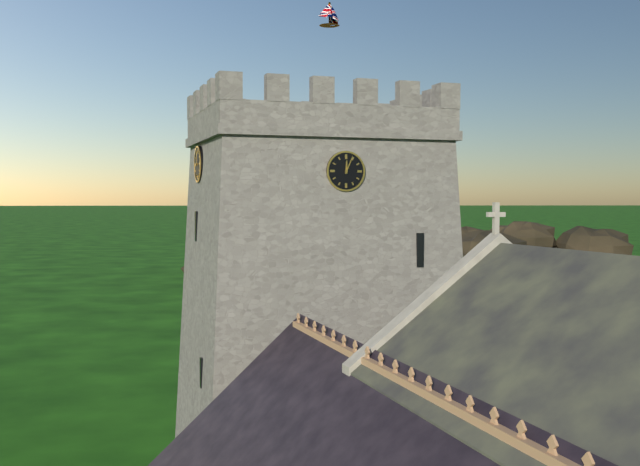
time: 12:04
